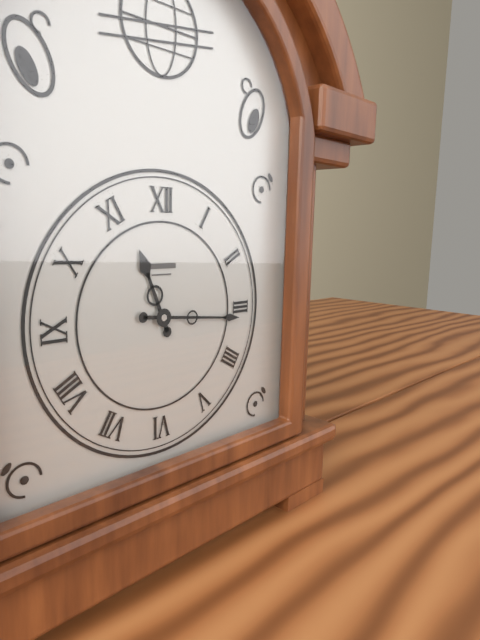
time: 11:16
